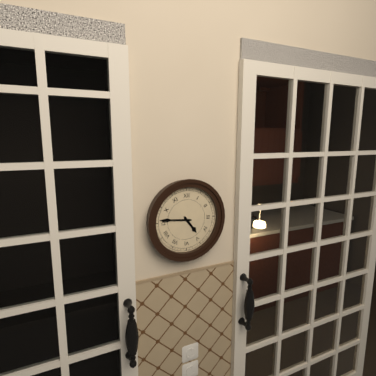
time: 4:46
